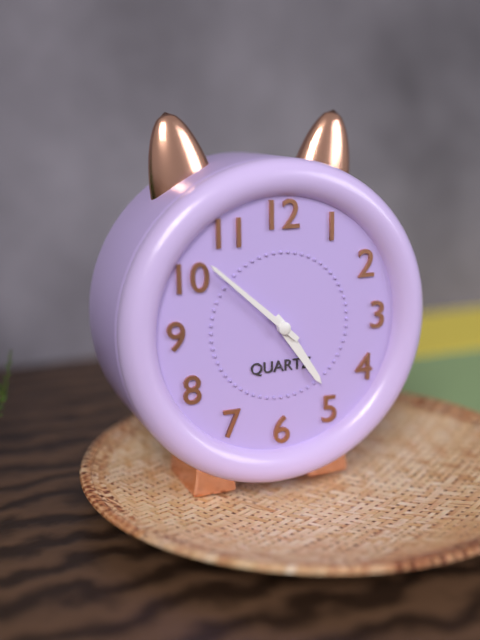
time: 4:52
